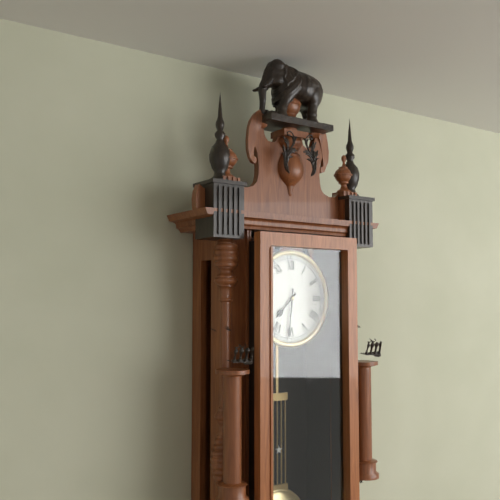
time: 7:31
